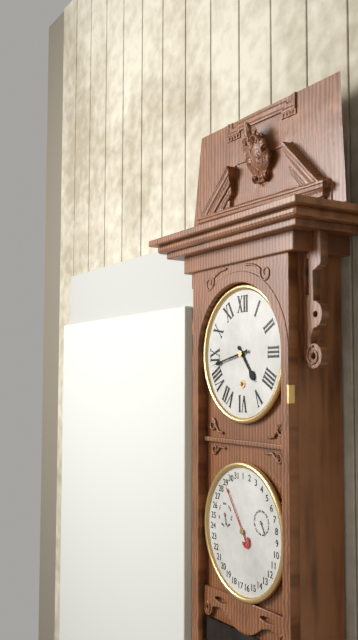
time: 4:43
